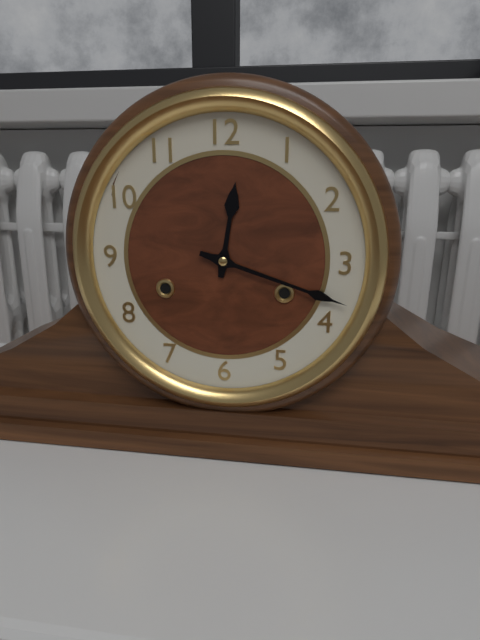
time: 12:18
